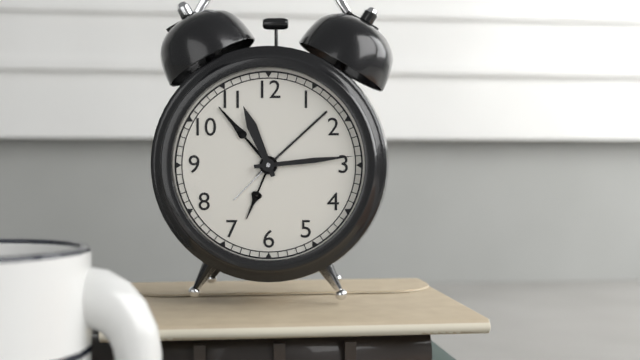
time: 11:14
